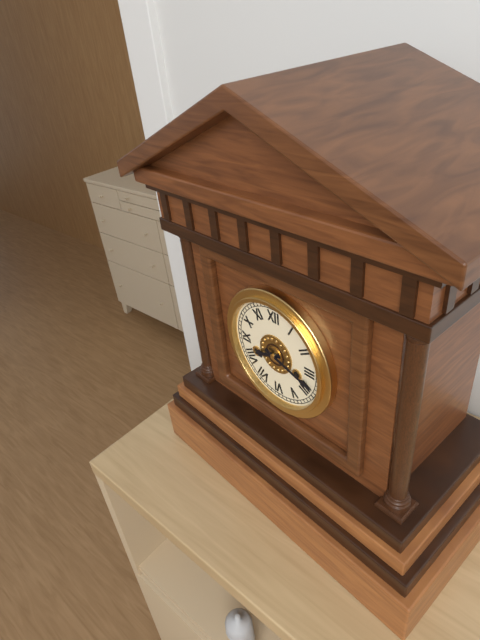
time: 8:18
